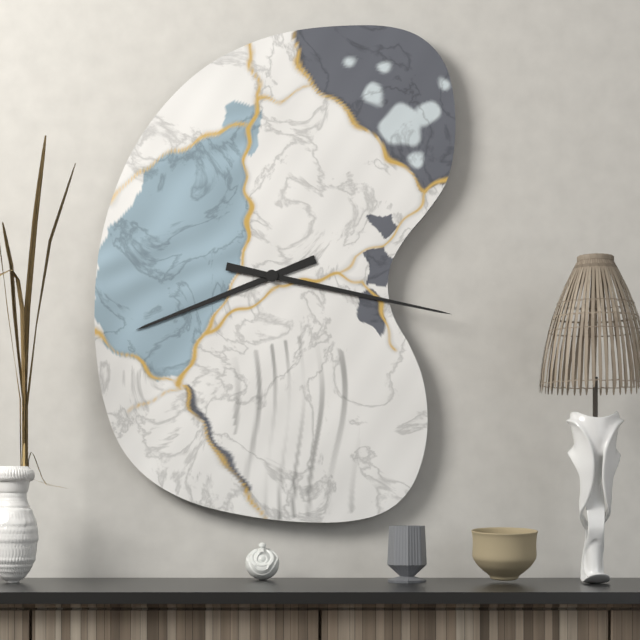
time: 8:17
